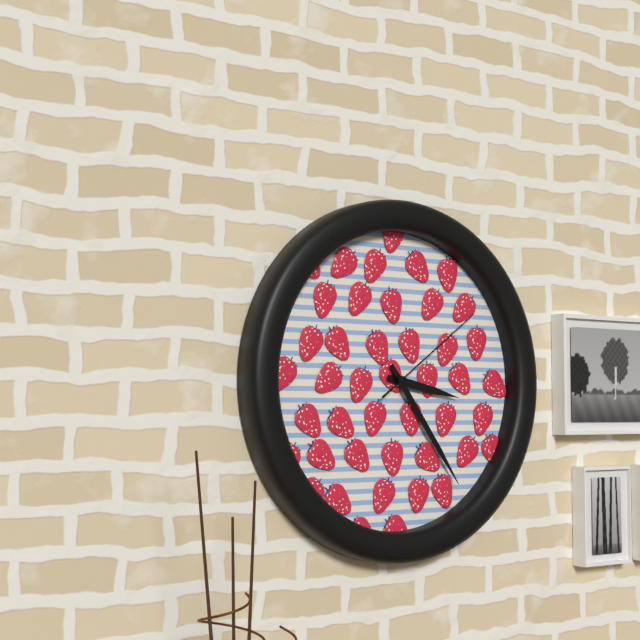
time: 3:24:09
